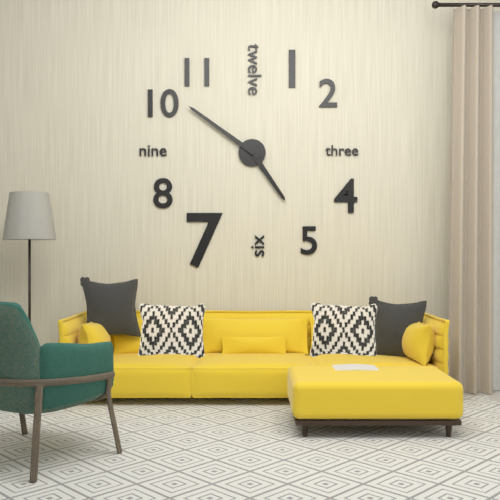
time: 4:51
